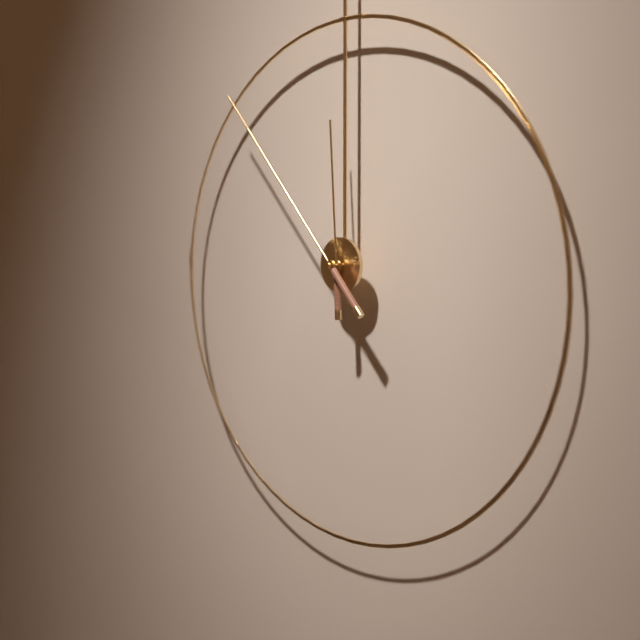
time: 11:53
